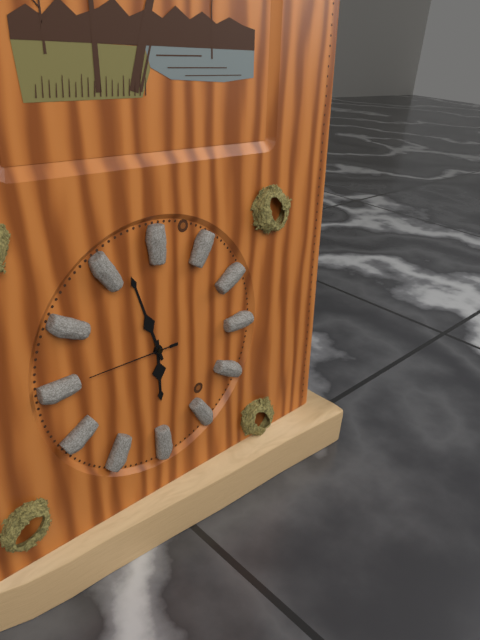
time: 5:57:45
